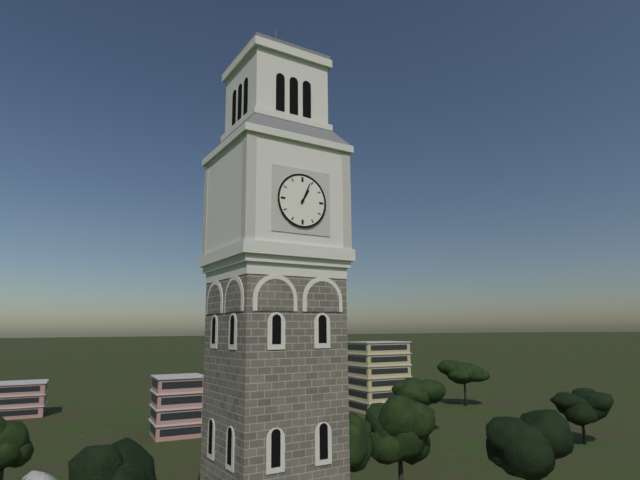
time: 1:04
